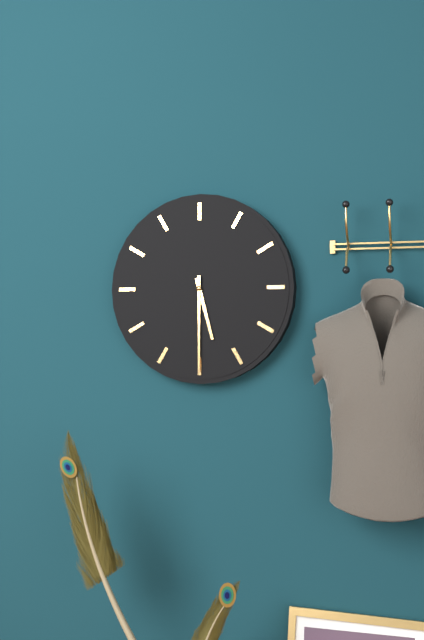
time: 5:30
